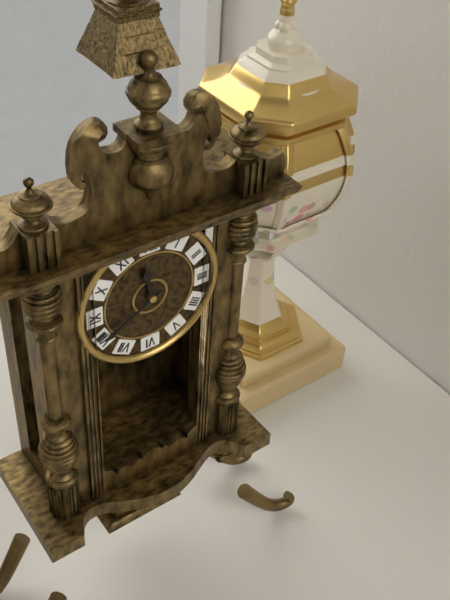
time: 11:40
